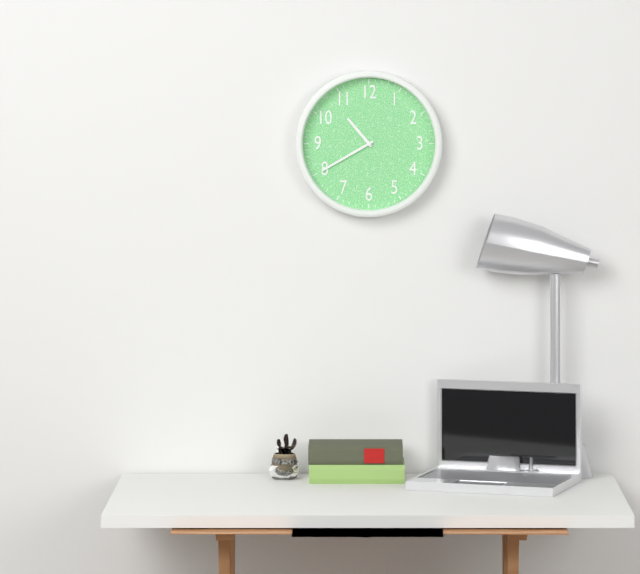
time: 10:40
